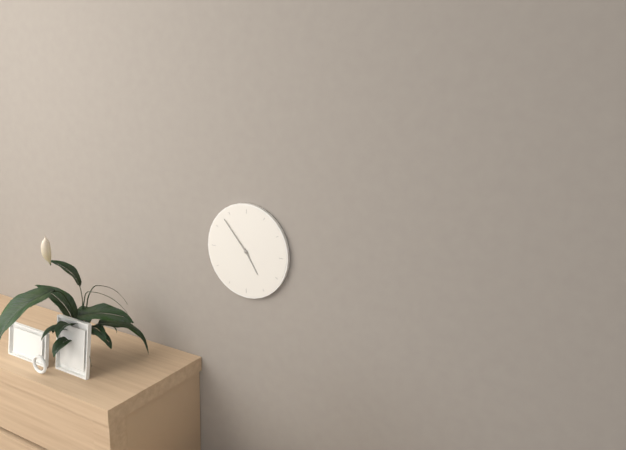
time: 4:53
